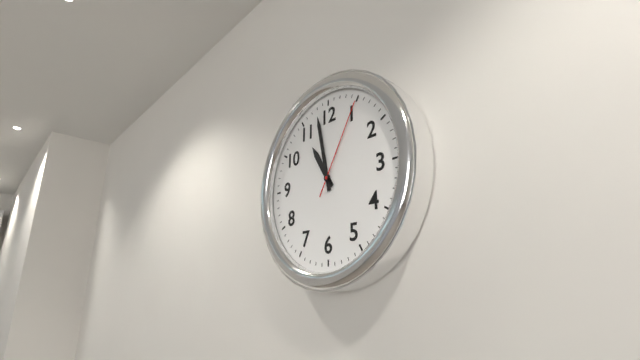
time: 10:58:05
